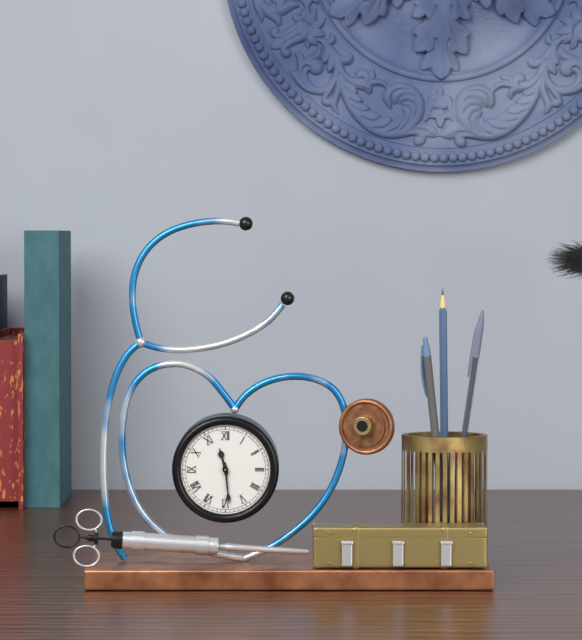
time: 11:29
